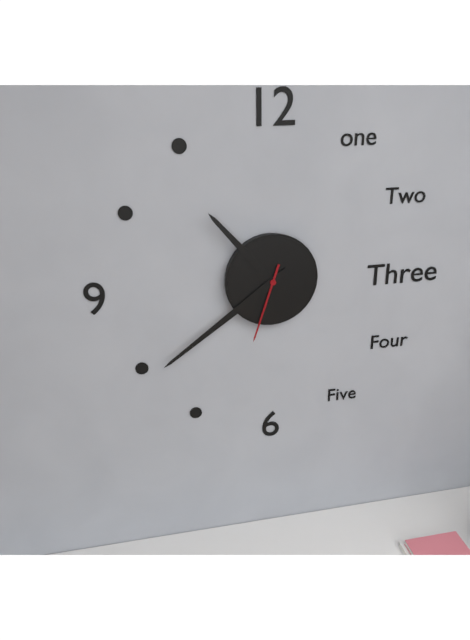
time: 10:39:33
